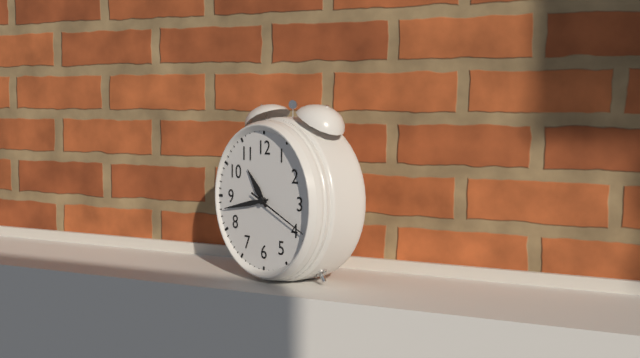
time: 10:43:19
